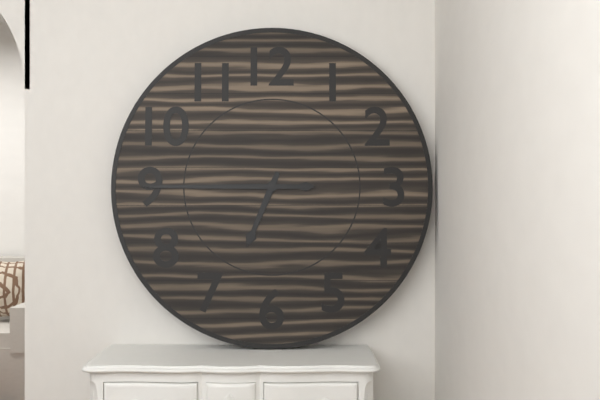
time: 6:45
